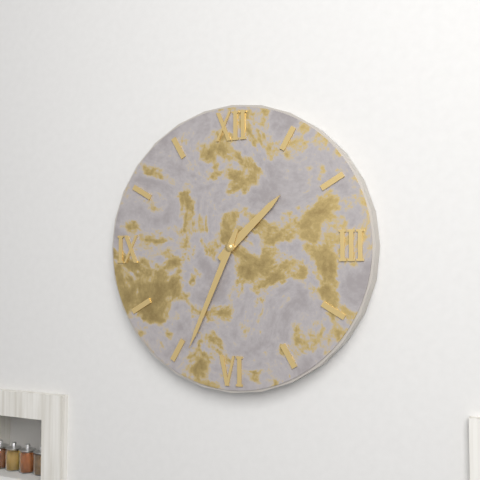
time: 1:34
